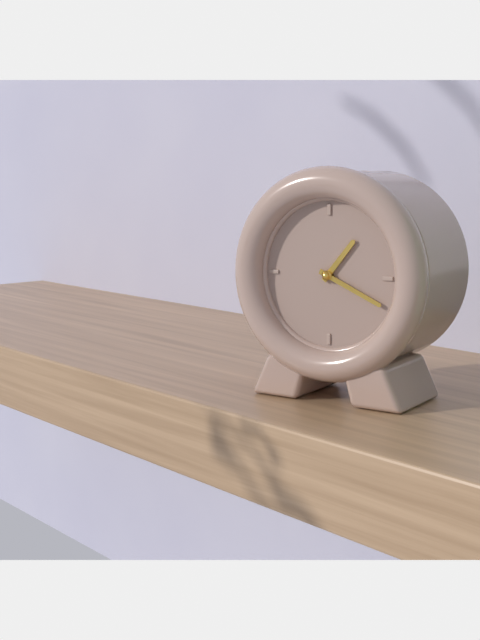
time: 1:19
